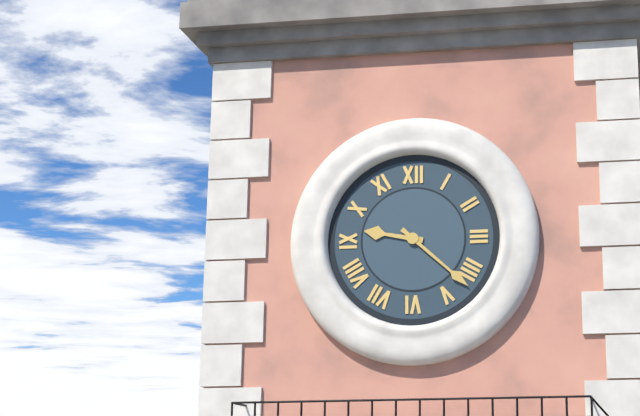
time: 9:22
